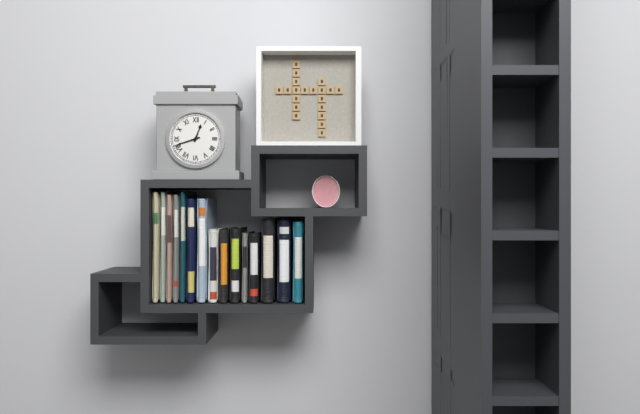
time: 12:42
